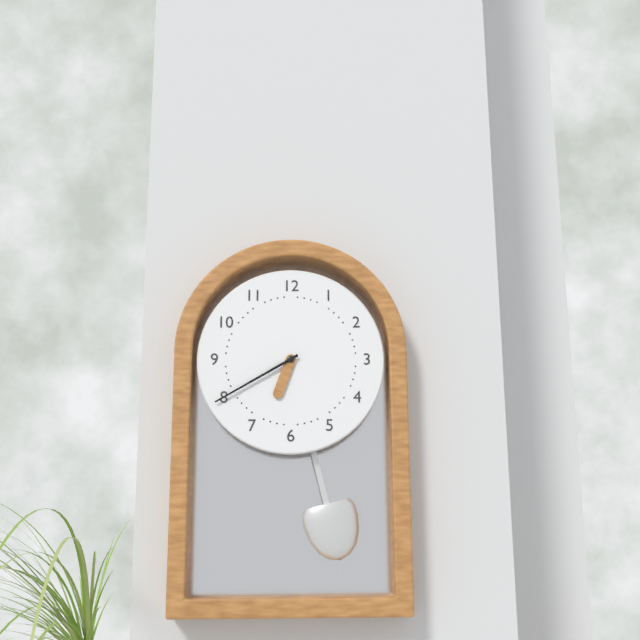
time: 6:40
